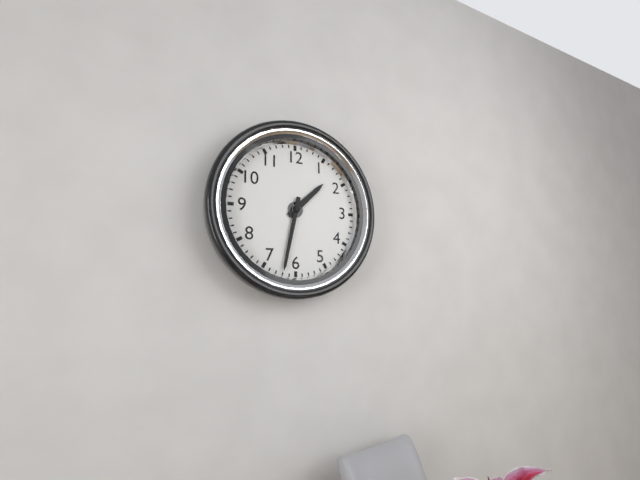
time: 1:32
